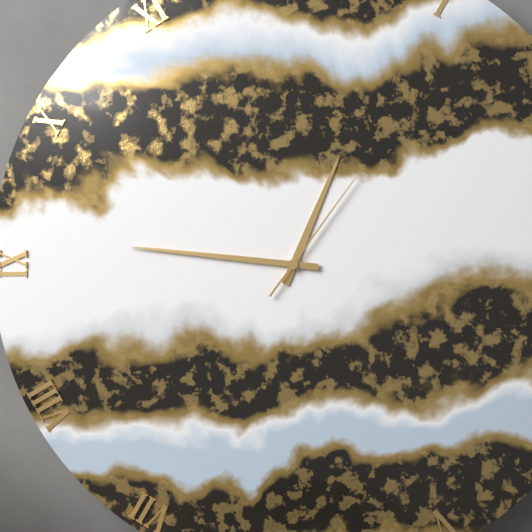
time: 12:46:06
